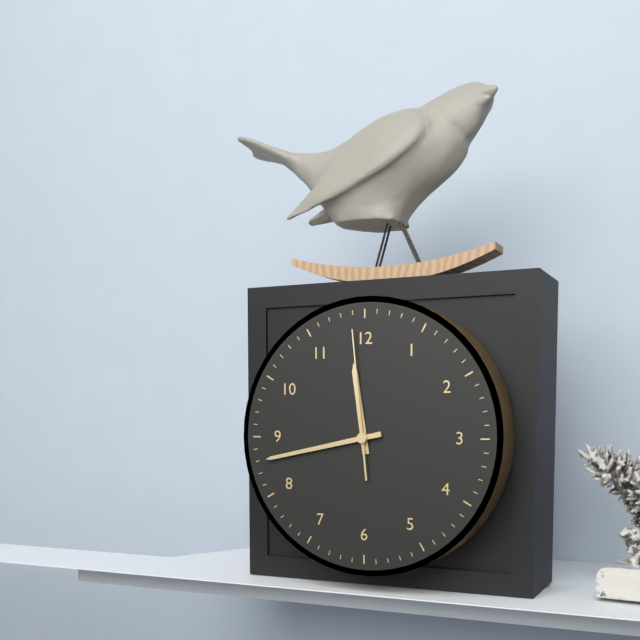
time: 11:43:59
